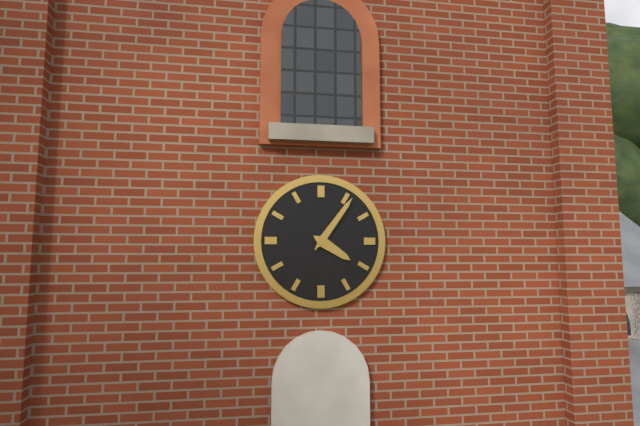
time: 4:06
